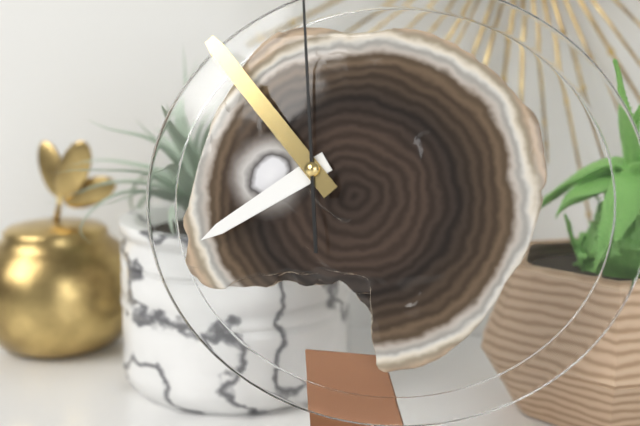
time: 7:53
